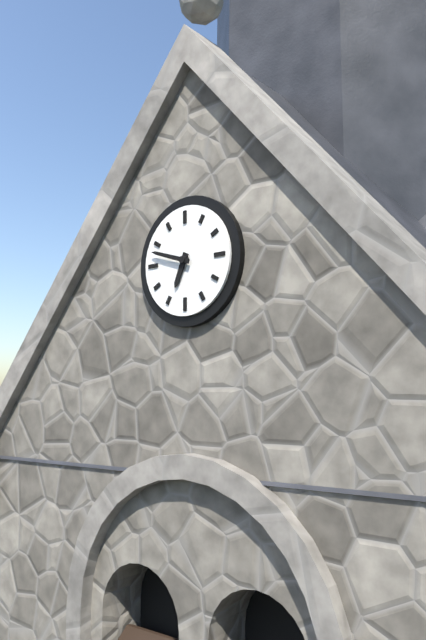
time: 6:48
